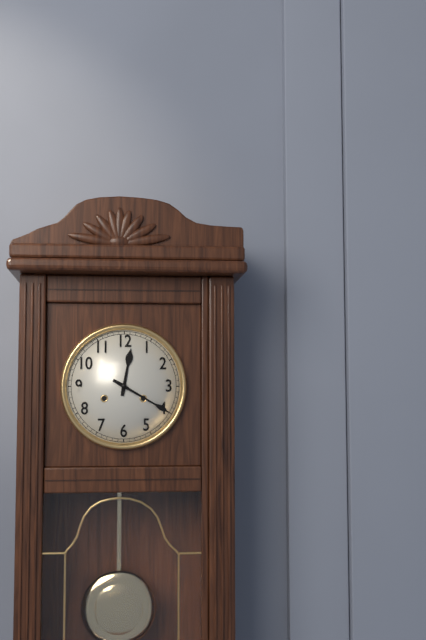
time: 12:20
